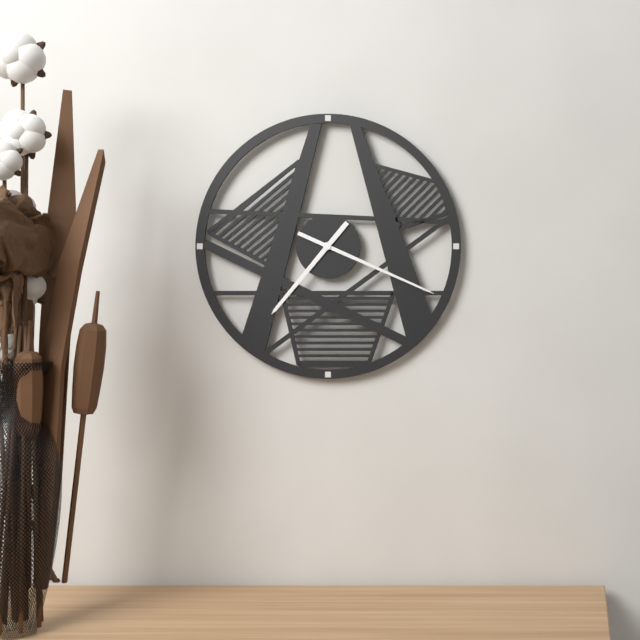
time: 7:19
